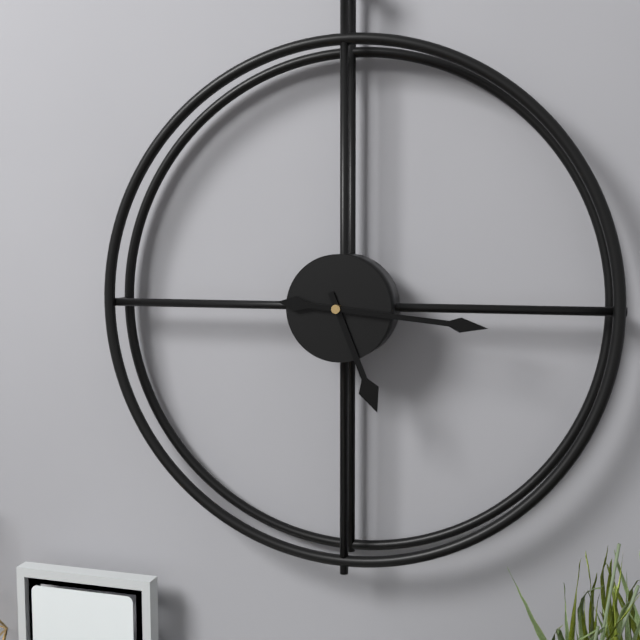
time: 5:16
